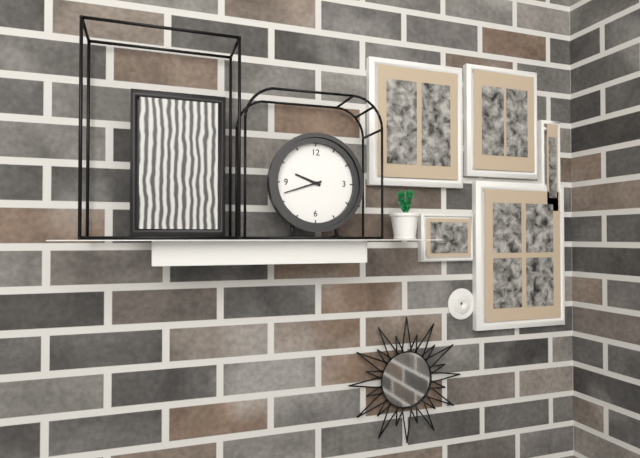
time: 9:42
